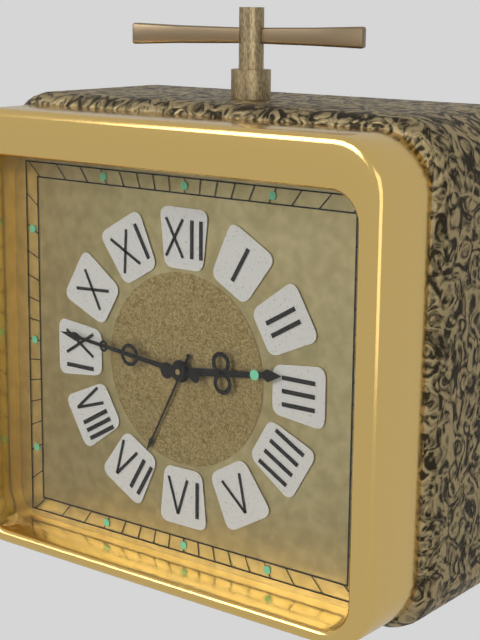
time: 2:46
